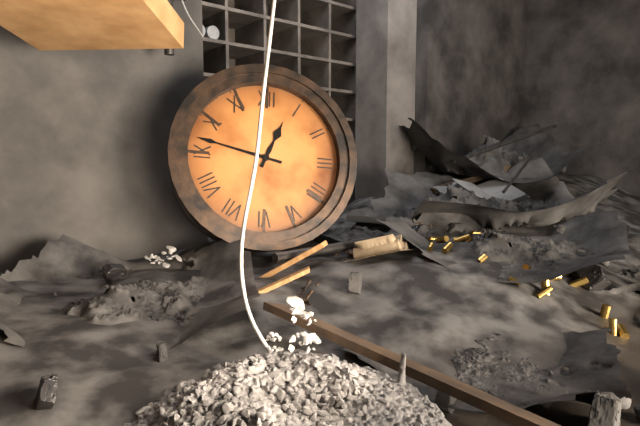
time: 12:47
